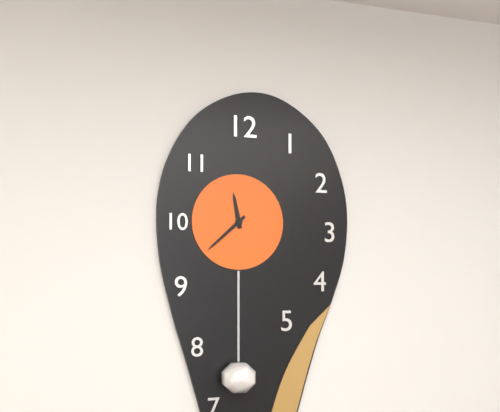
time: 11:38
